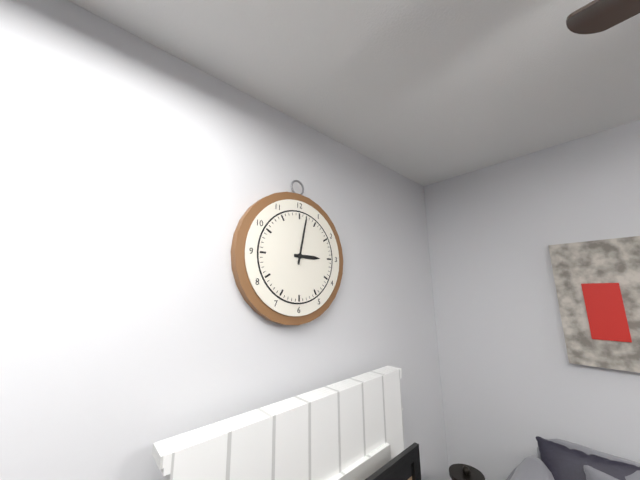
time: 3:02
